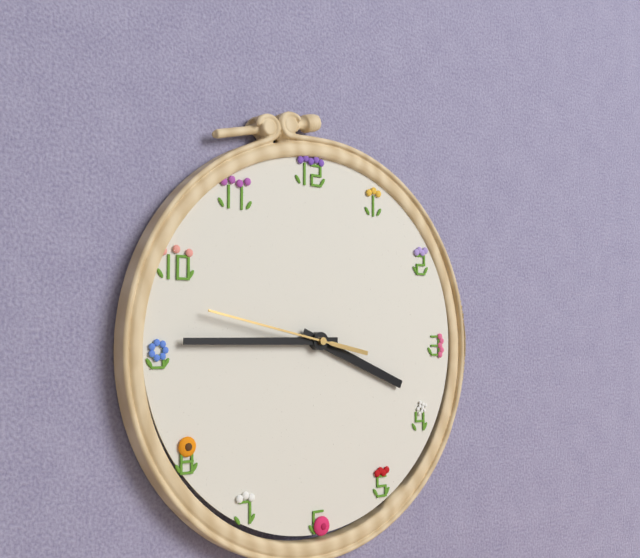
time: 3:45:47
